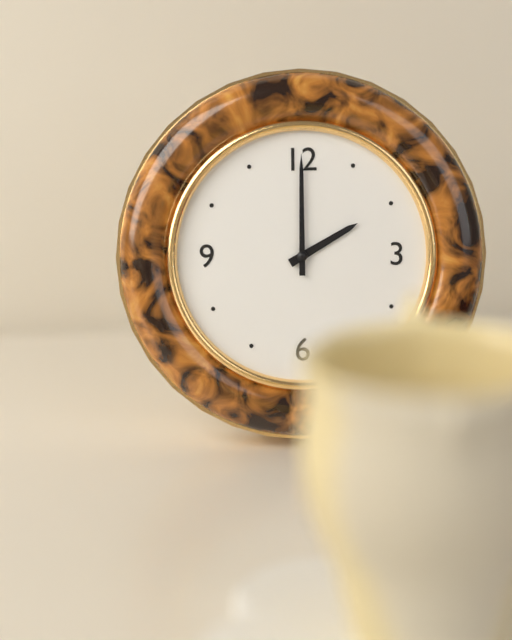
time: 2:00
